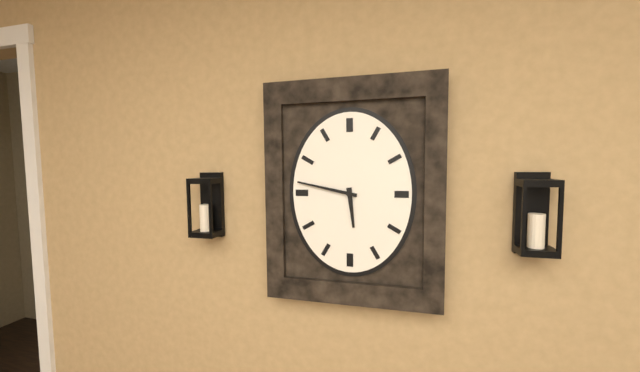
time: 5:47
